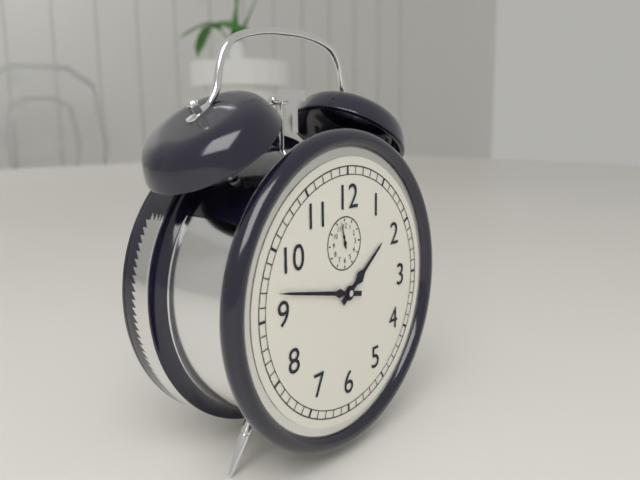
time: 1:47
